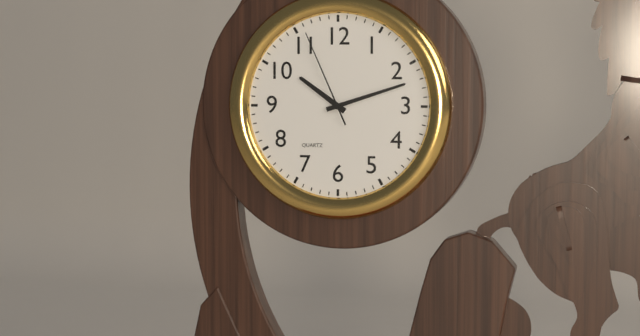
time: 10:12:56
